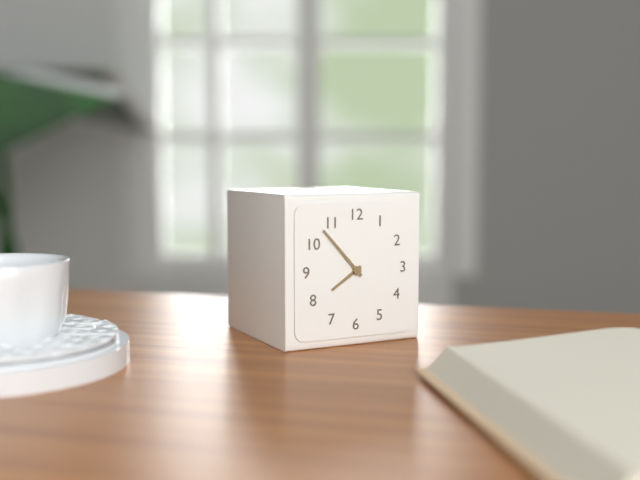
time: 7:53
